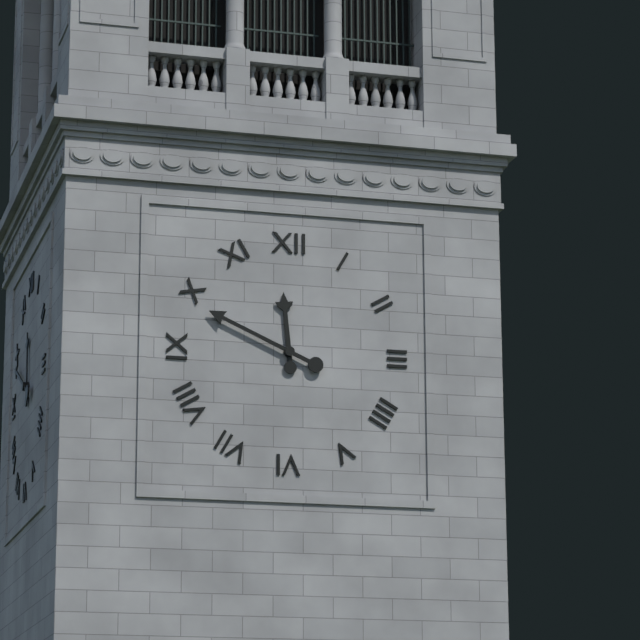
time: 11:49
